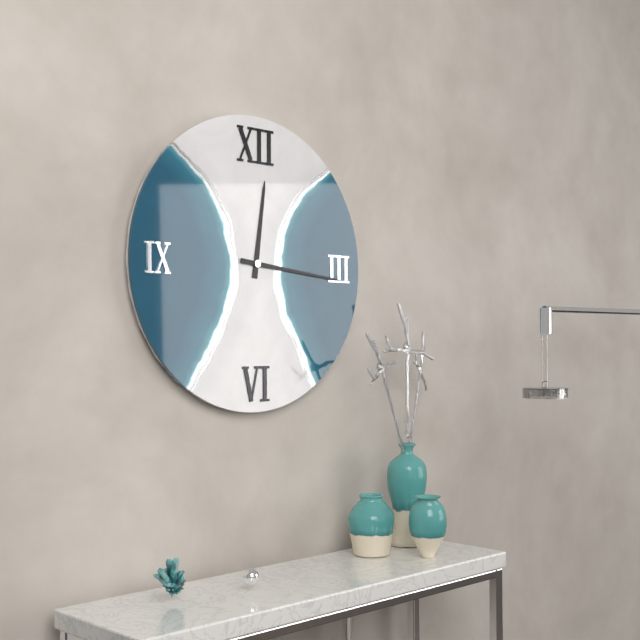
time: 12:16
